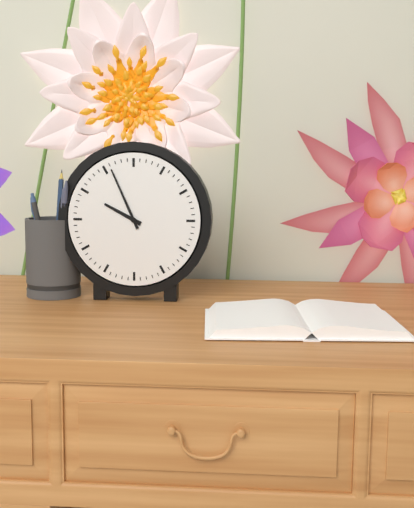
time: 9:56
